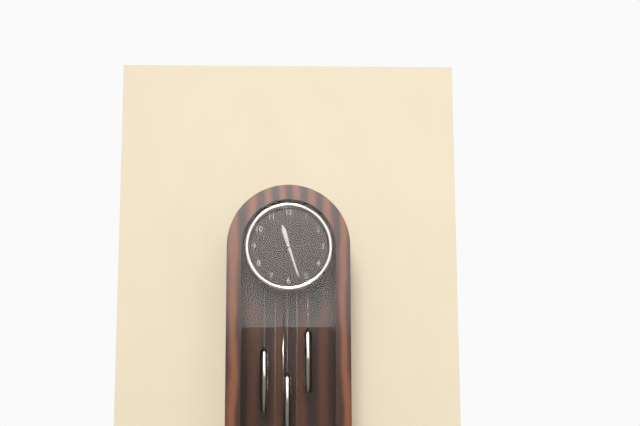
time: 11:27
